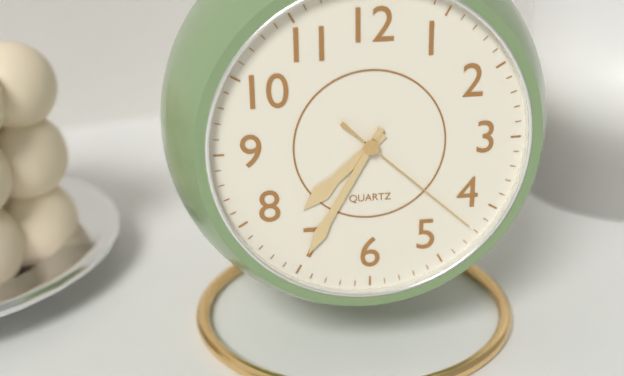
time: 7:35:22
